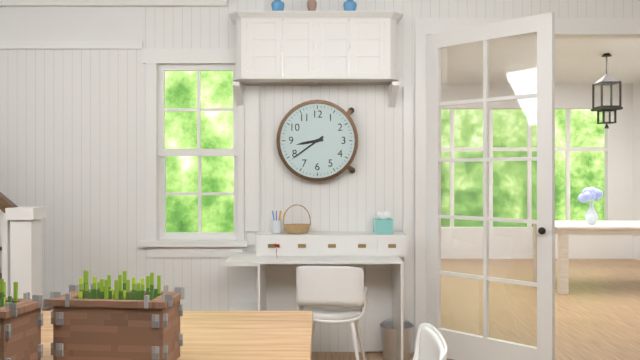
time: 8:39
